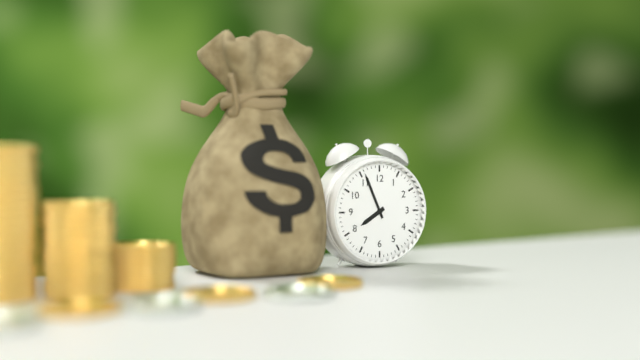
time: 7:56
